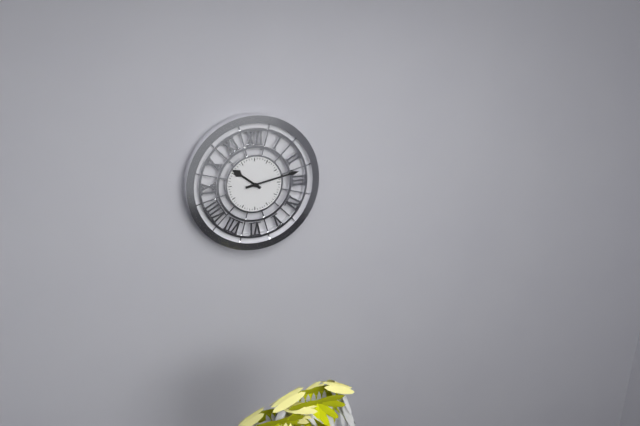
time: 10:13
